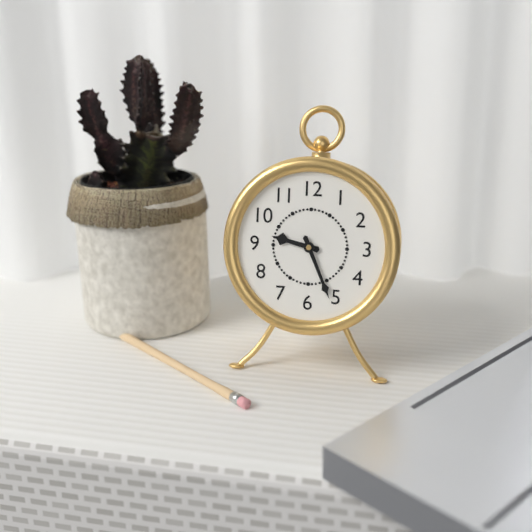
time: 9:26
